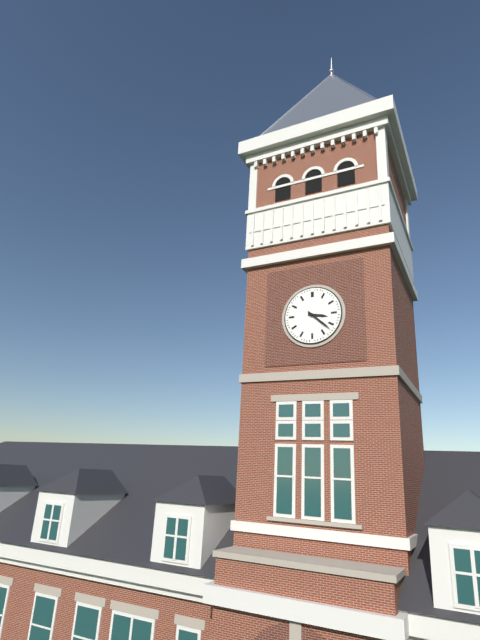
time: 3:22
